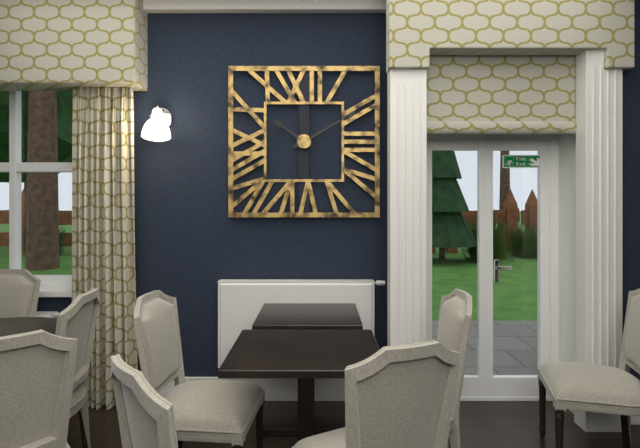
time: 10:10
